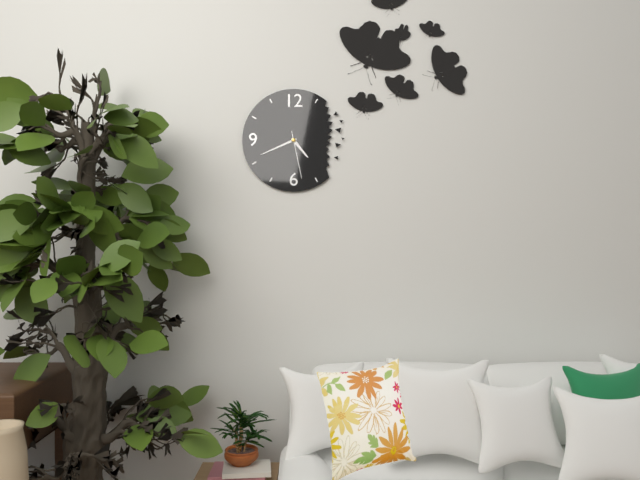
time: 4:41:28
